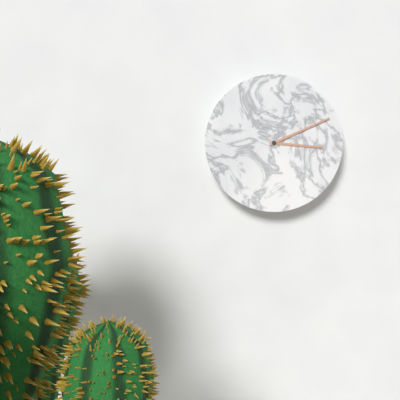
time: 3:11
